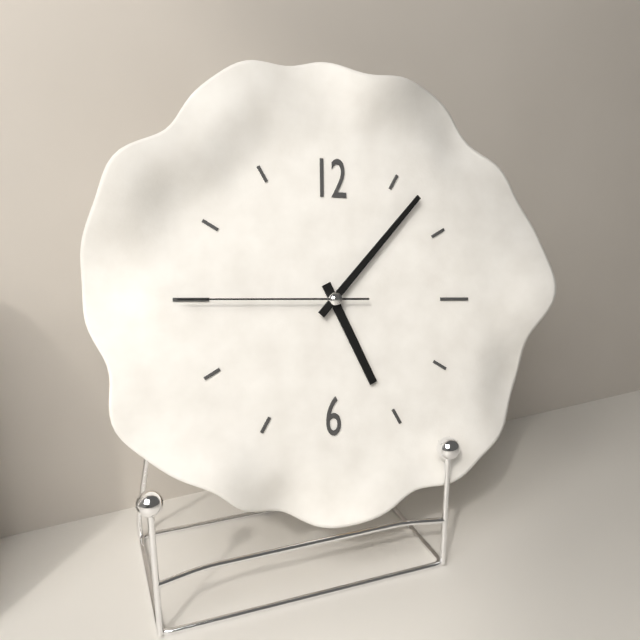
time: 5:07:45
